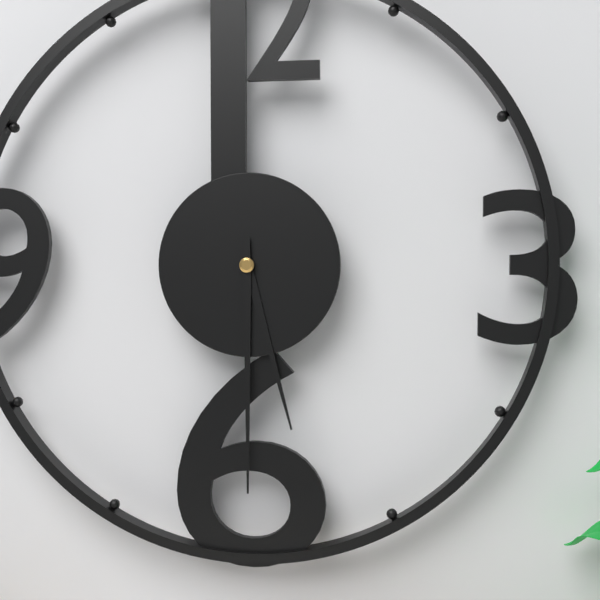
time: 5:30
